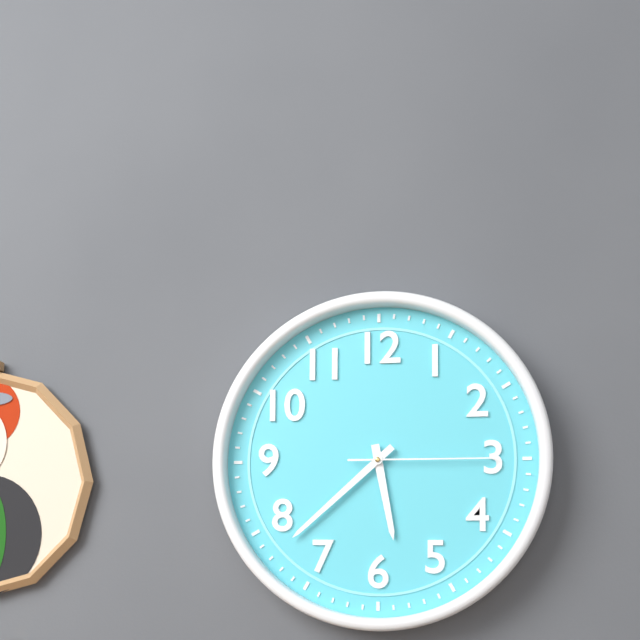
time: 5:38:15
